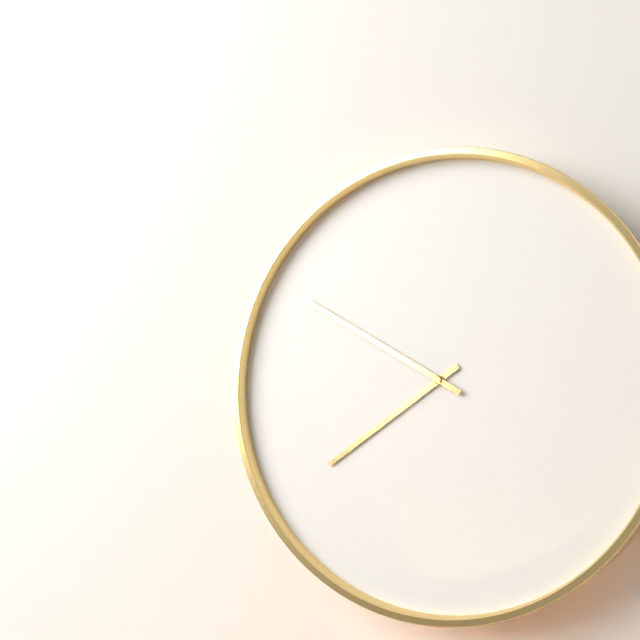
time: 7:50
